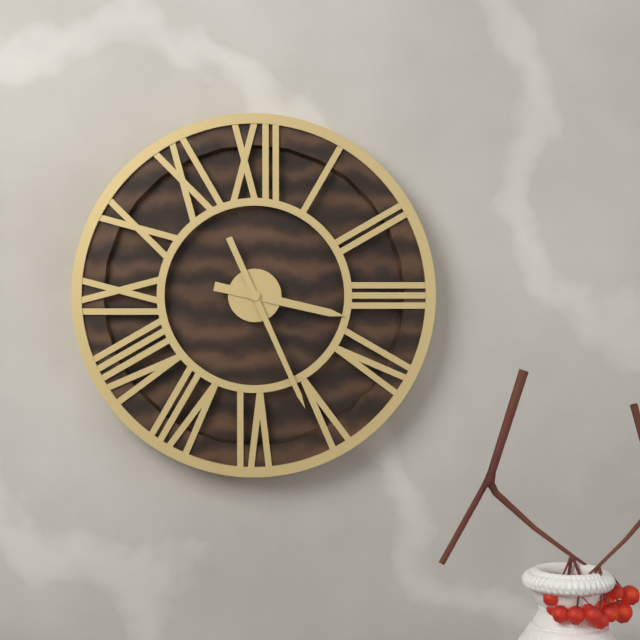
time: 3:26
